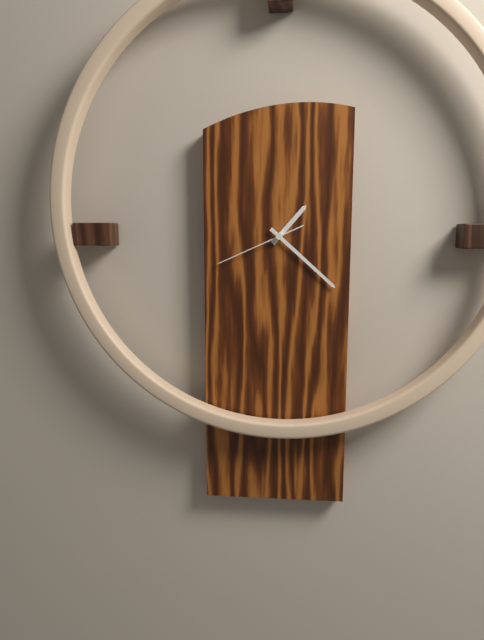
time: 1:22:41
